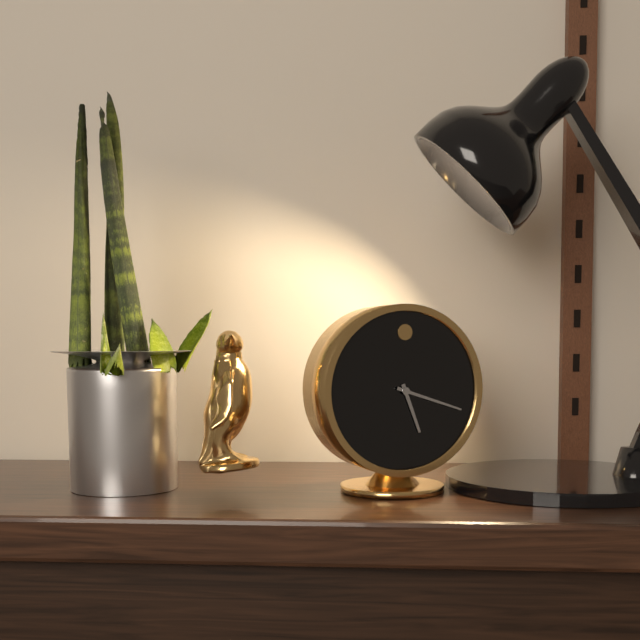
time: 5:18
